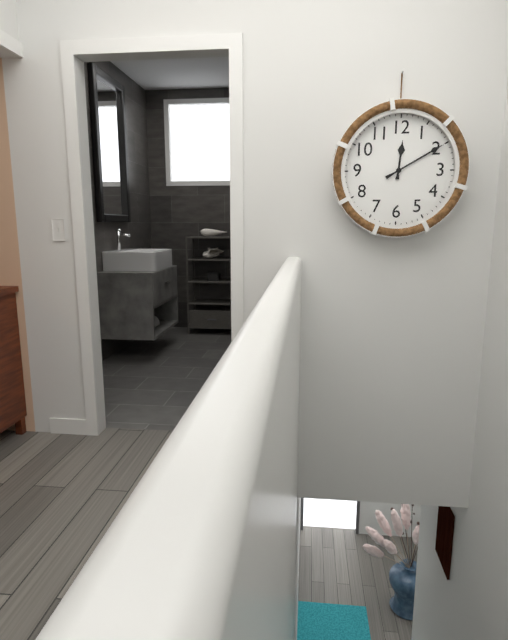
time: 12:10
